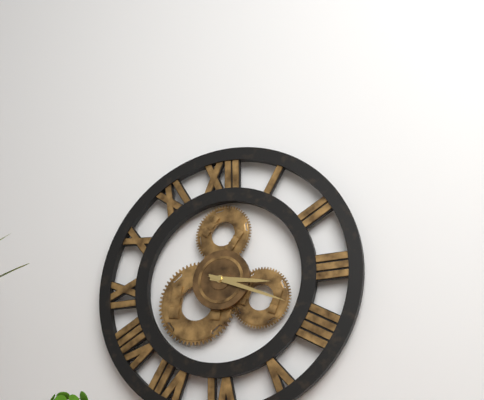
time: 3:19
